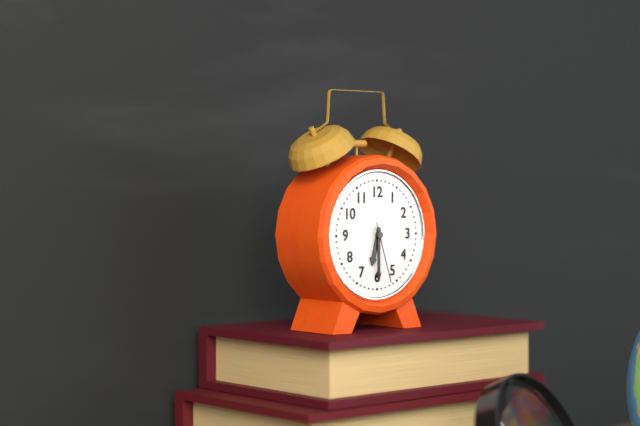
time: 6:30:27
